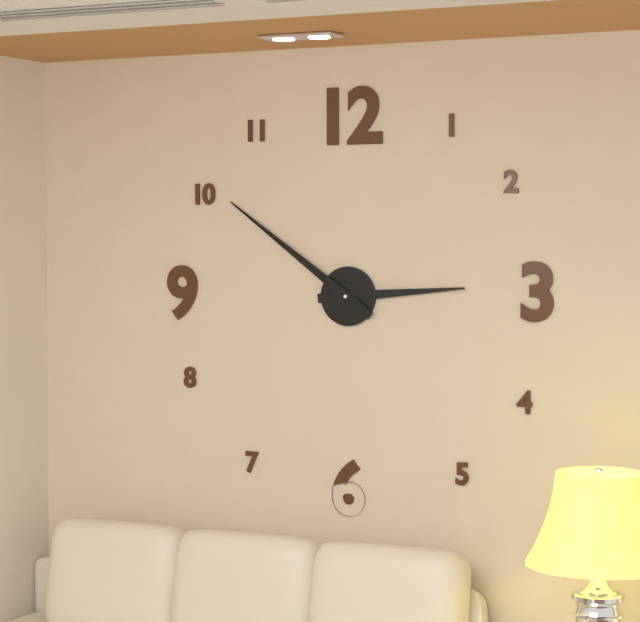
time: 2:51
